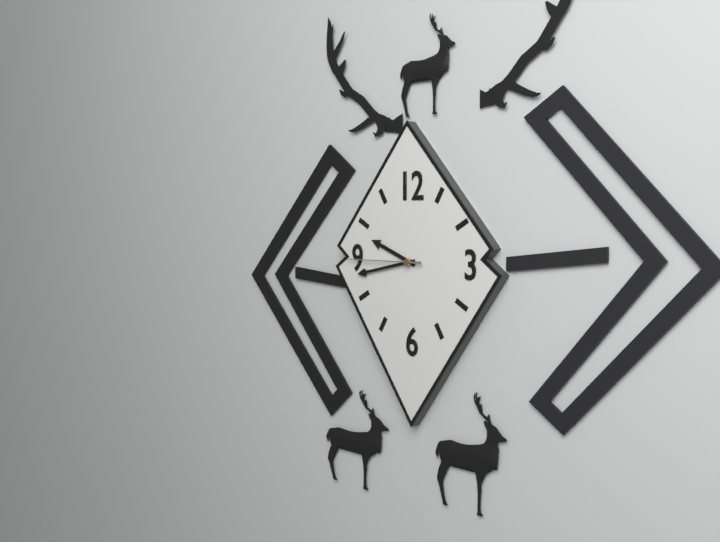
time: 9:43:45
